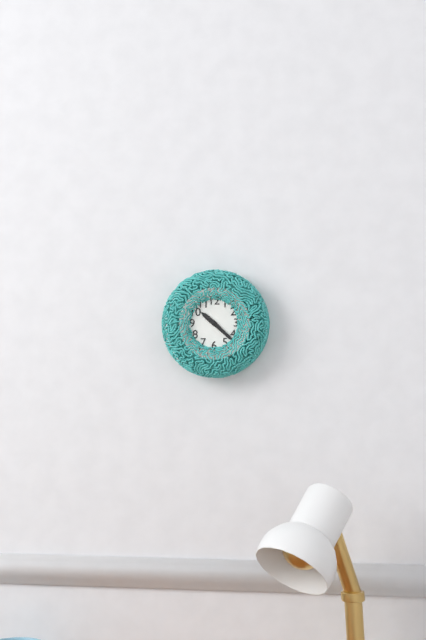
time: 10:22
